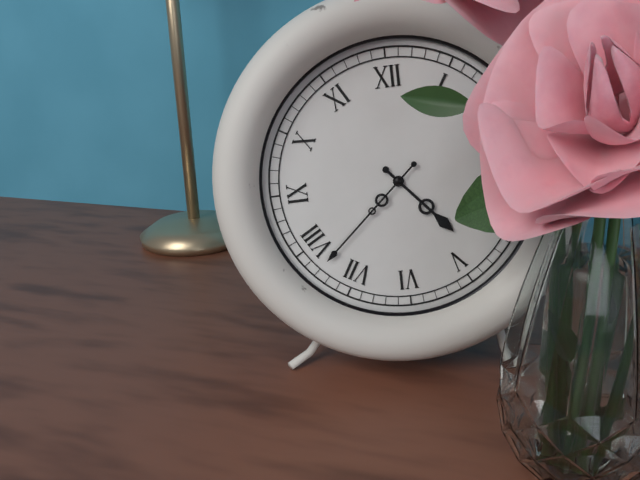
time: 4:38
